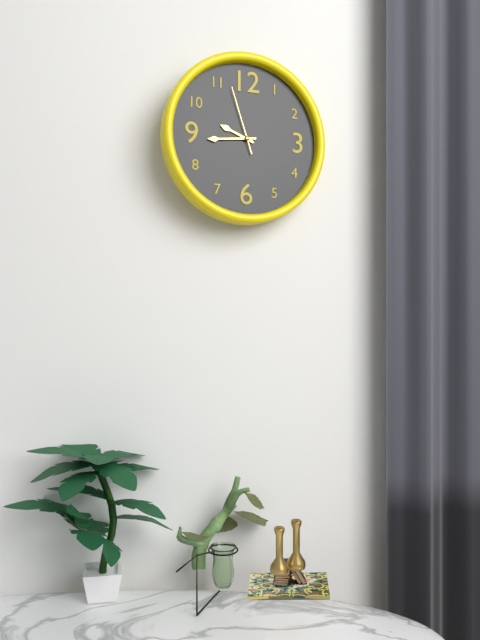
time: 9:44:57
